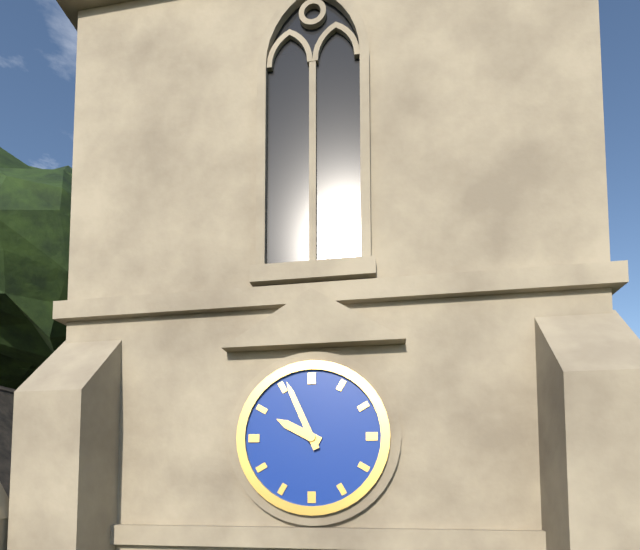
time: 9:56
